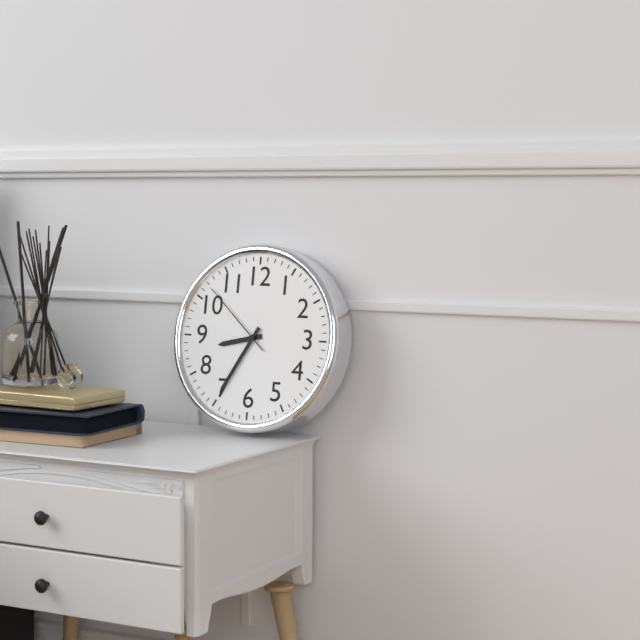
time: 8:35:52
